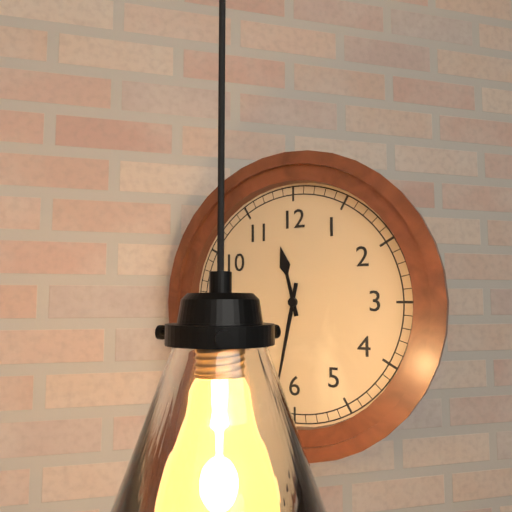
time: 11:32
